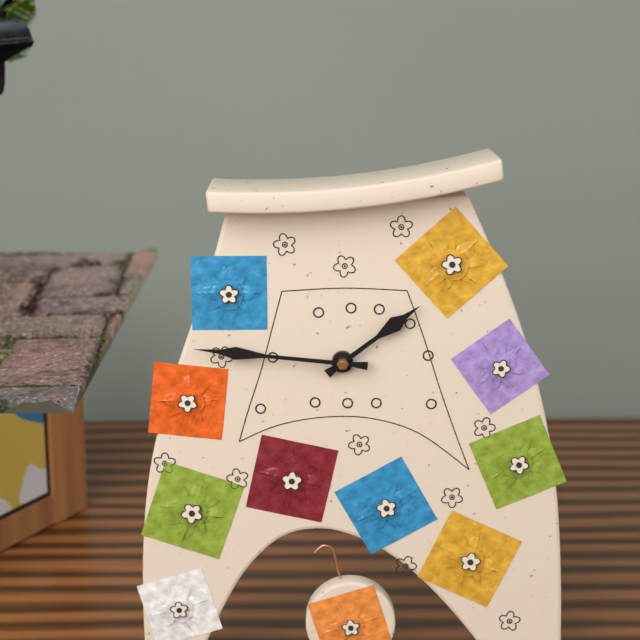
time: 1:46
